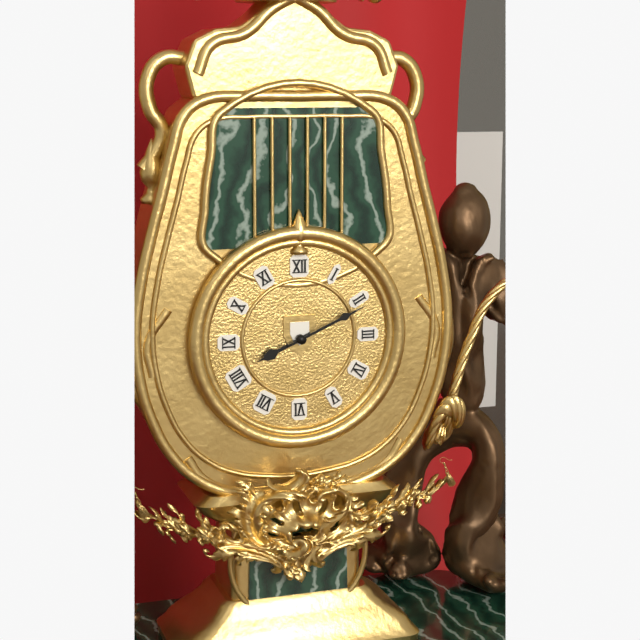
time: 8:11
